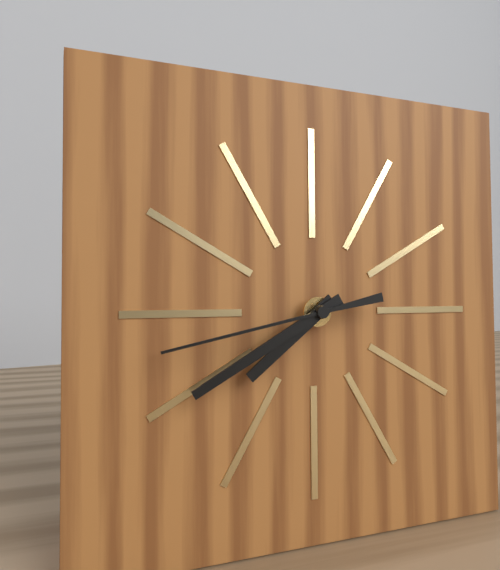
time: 7:40:43
